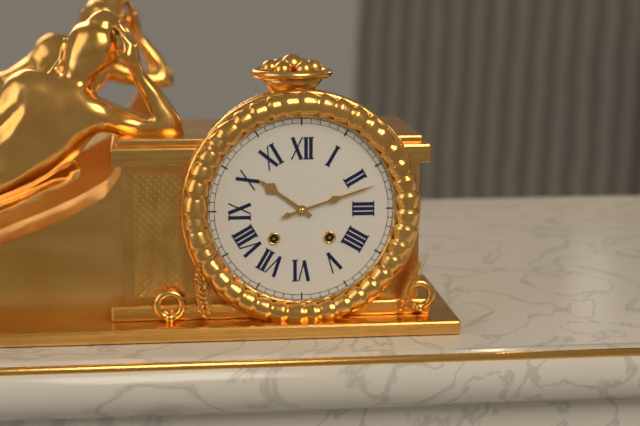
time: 10:12
